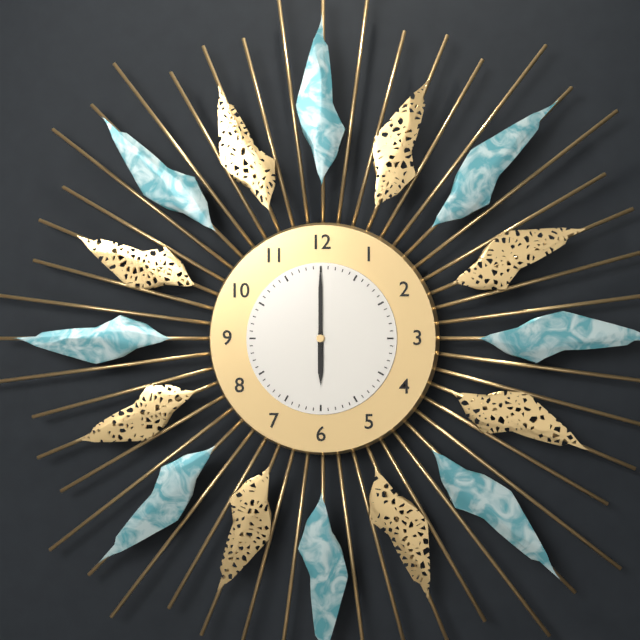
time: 6:00
